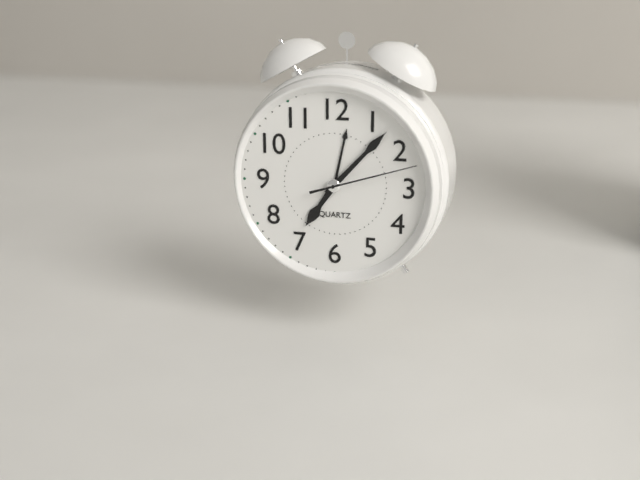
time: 7:07:12
